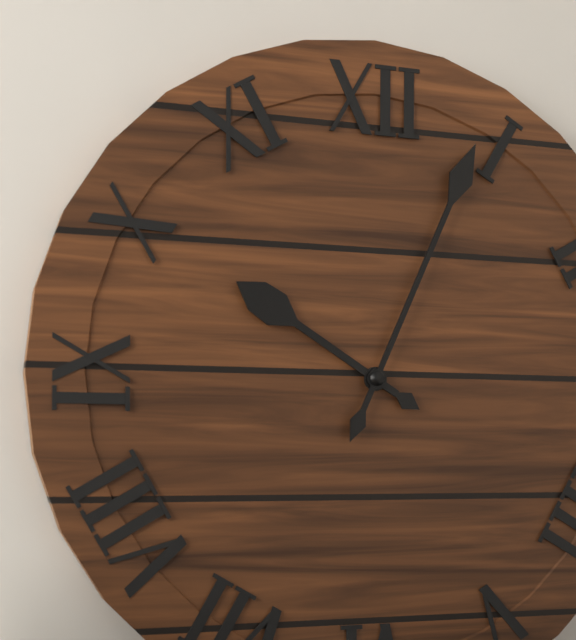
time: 10:04
